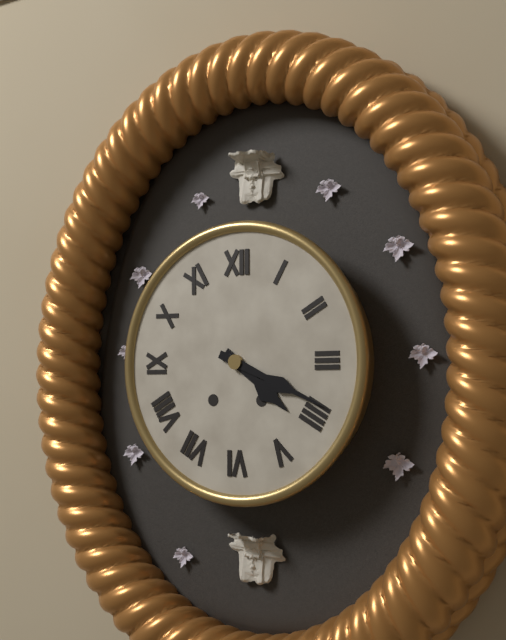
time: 4:19
